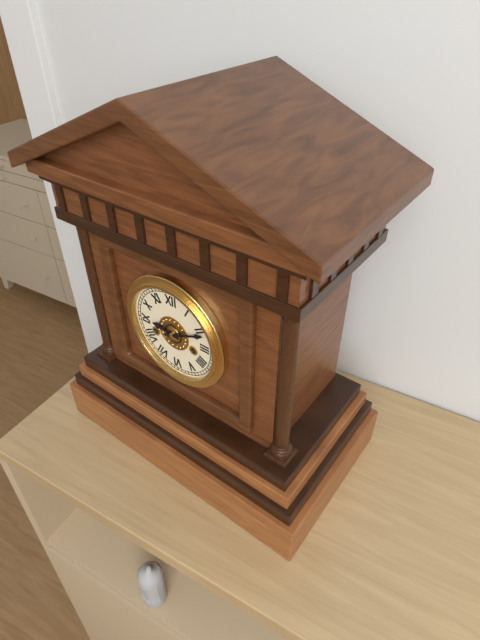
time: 9:11
